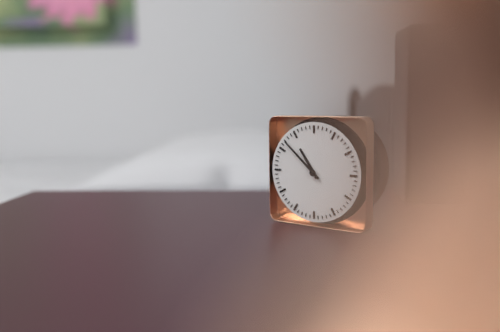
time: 10:52
